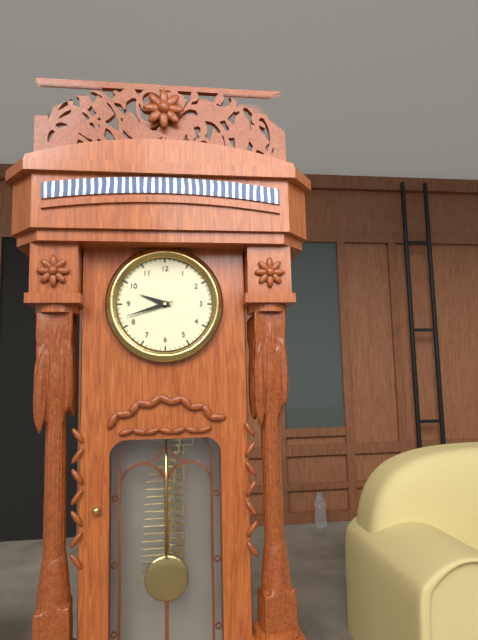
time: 9:42
